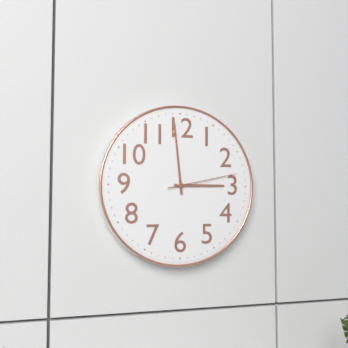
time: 2:59:13
